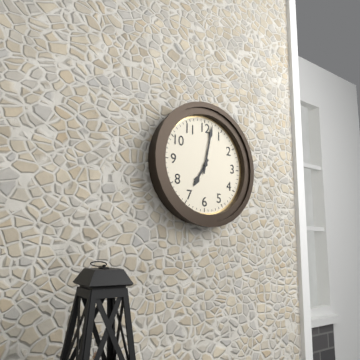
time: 7:02
